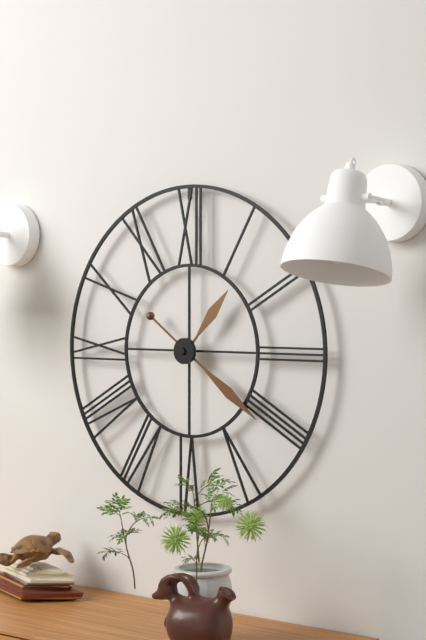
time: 1:21
